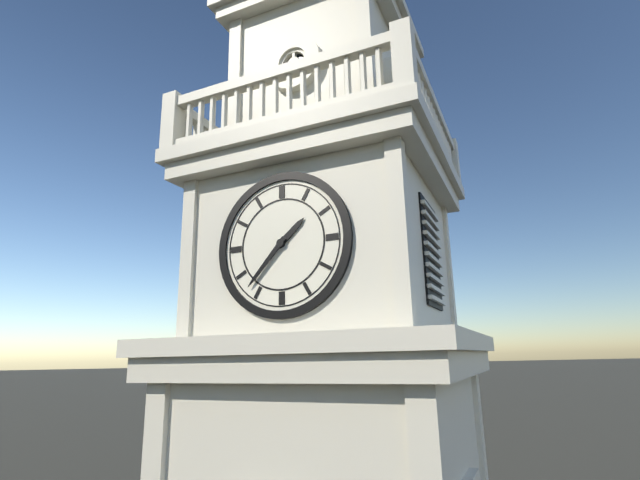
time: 1:37
